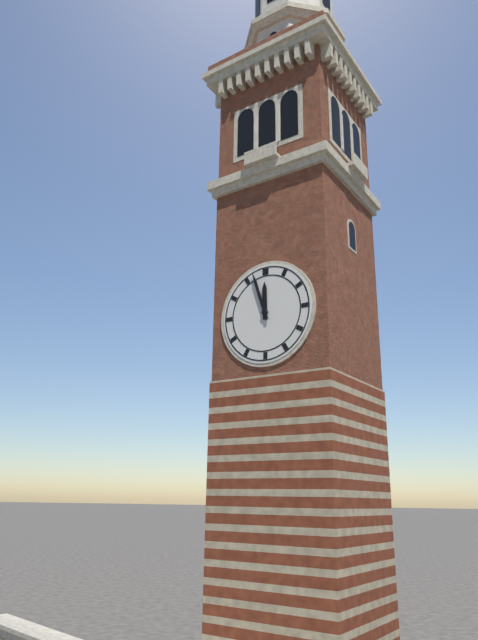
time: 11:57
